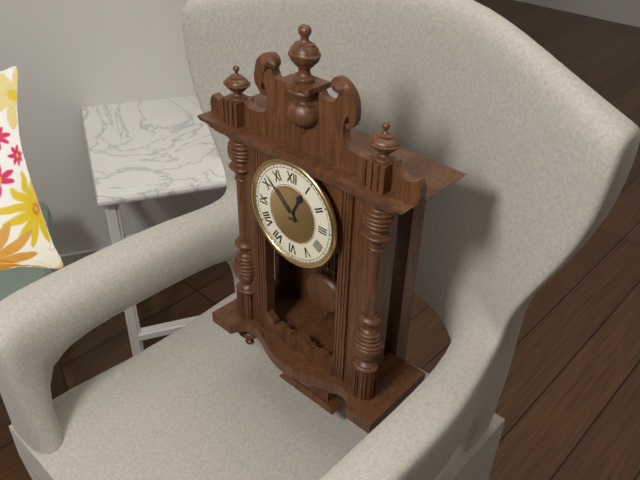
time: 12:52
